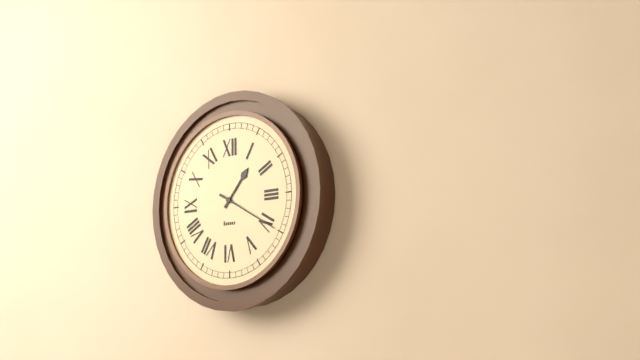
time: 1:20
